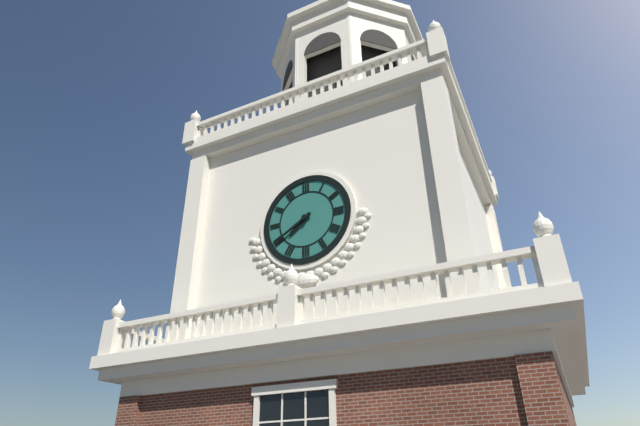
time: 7:40
